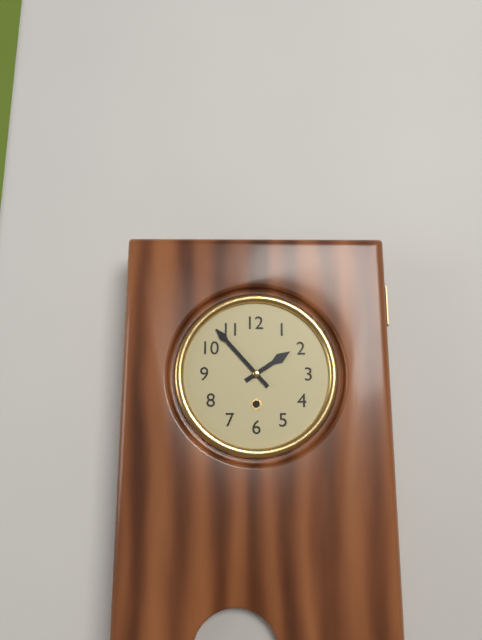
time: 1:53
